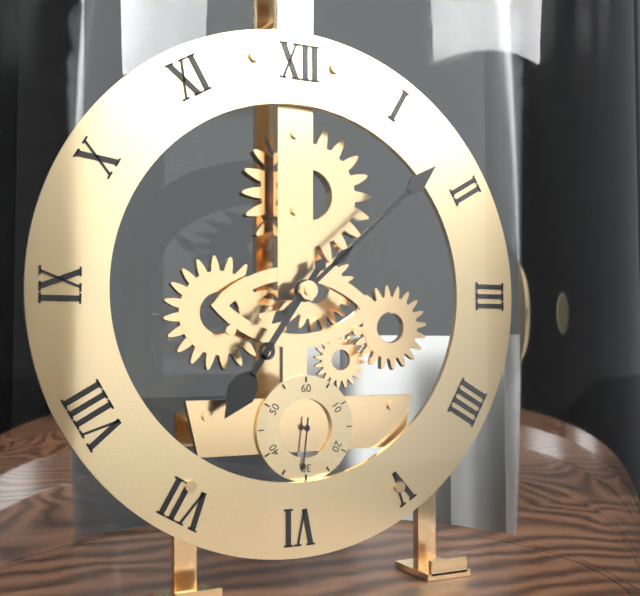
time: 7:08:31
